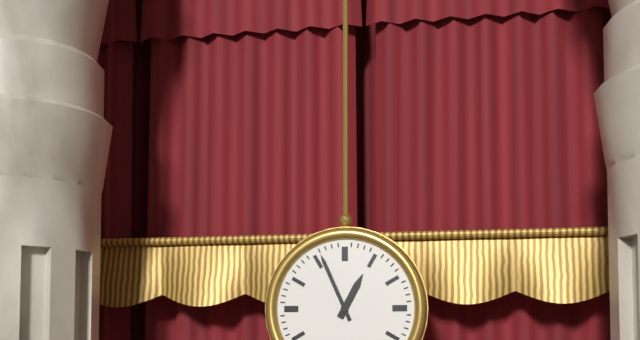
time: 12:56
